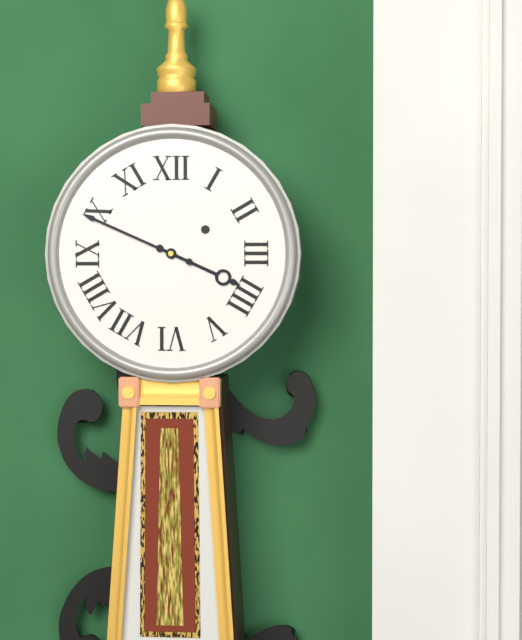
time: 3:49
